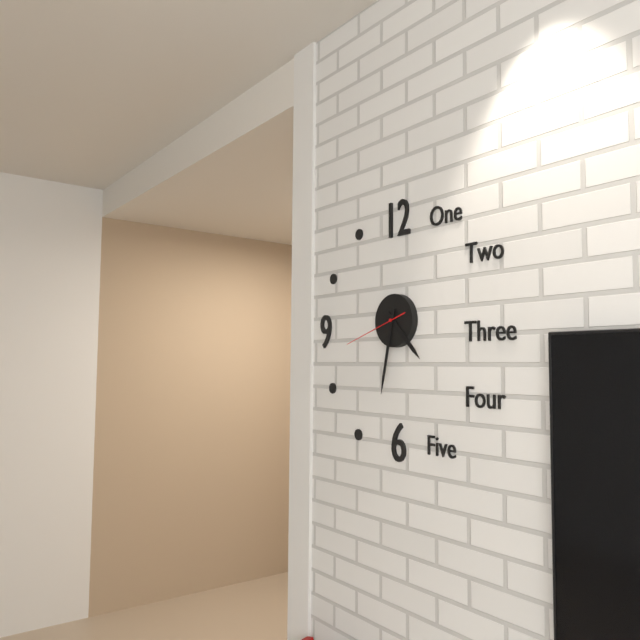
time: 4:32:42
